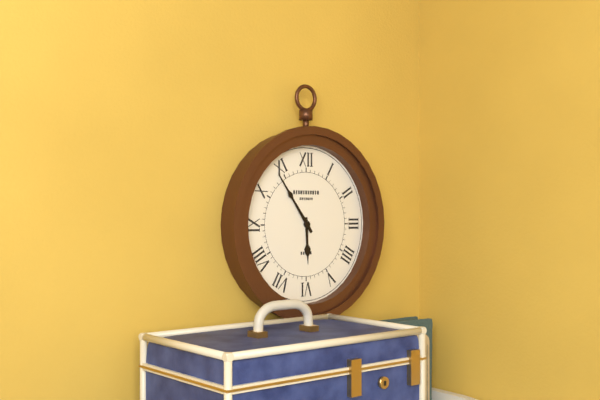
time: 5:54
